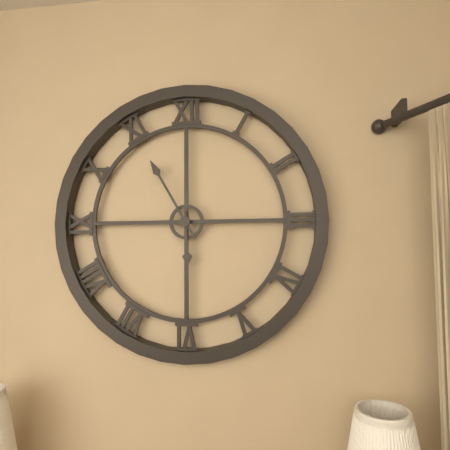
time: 5:55
